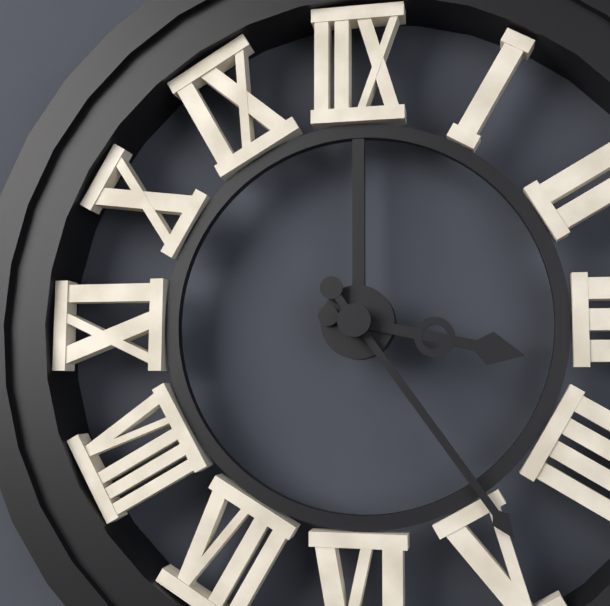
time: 3:24
